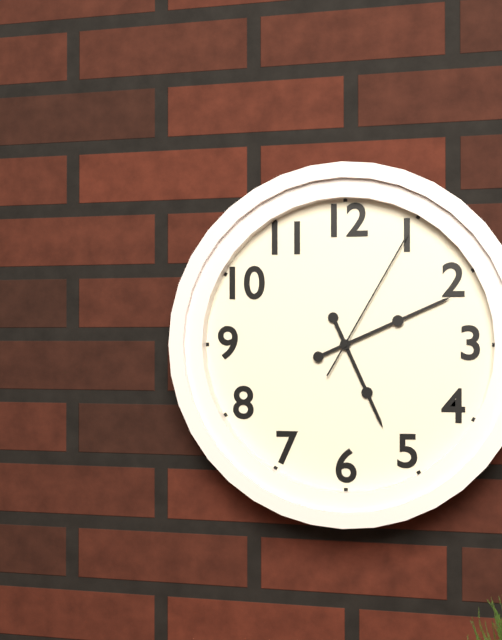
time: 5:11:05
